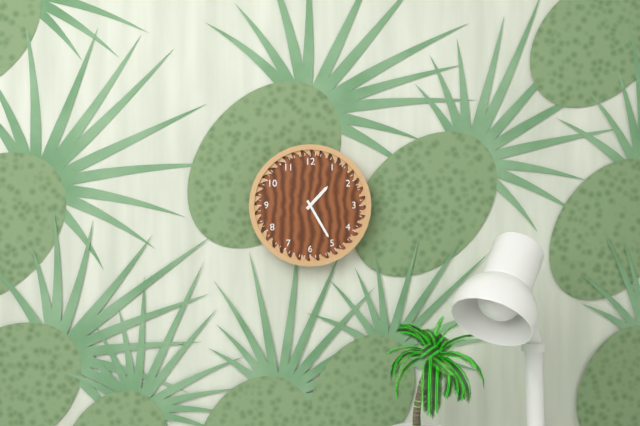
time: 1:25
